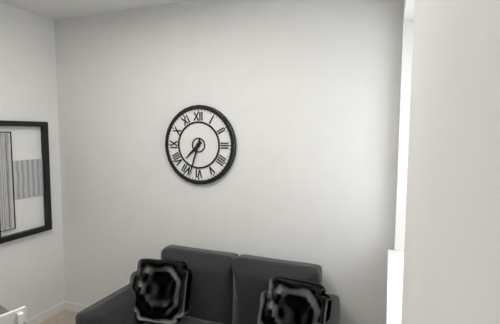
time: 7:33
